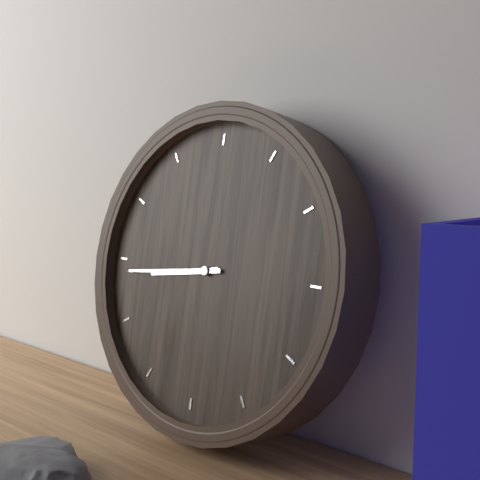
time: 8:44
